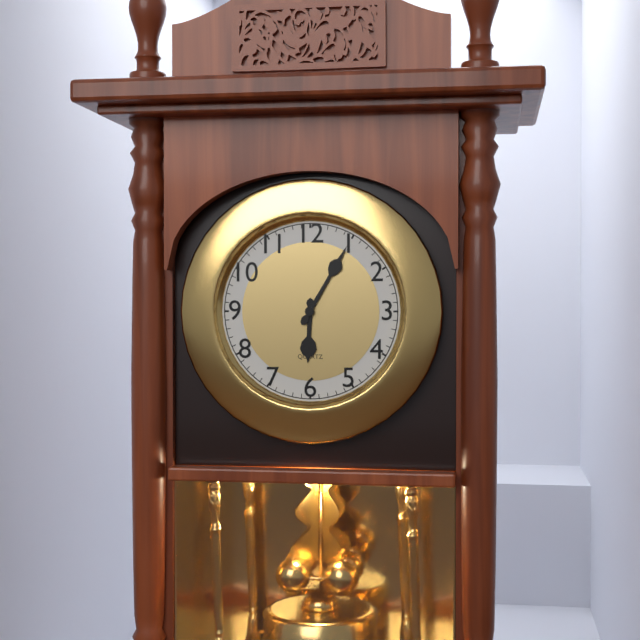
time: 6:05
